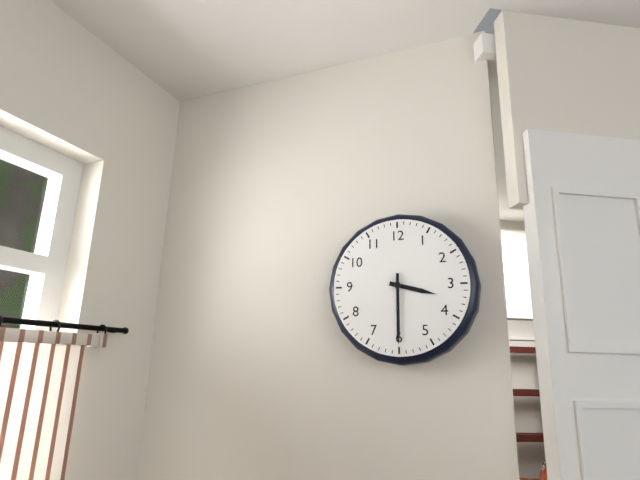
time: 3:30
